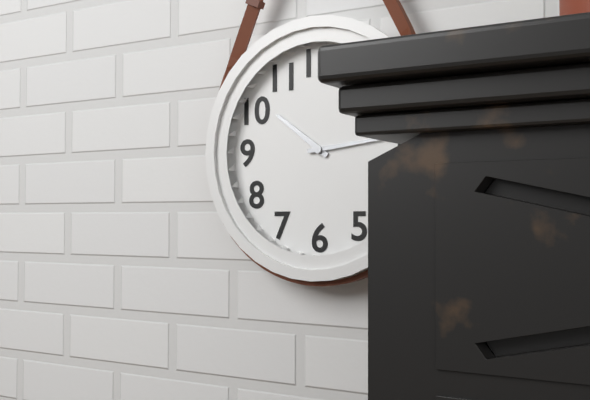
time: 10:14
